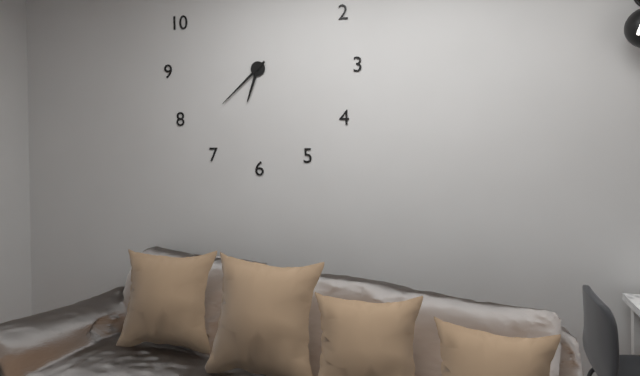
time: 6:38
